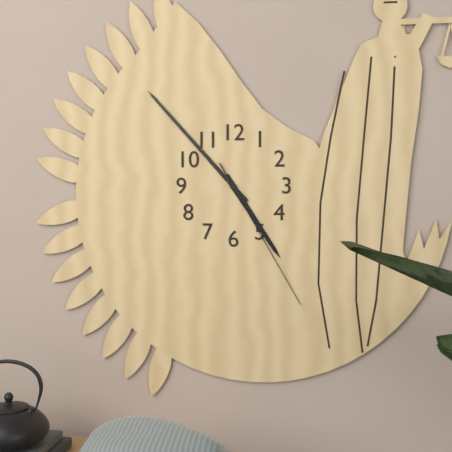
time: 4:53:25
